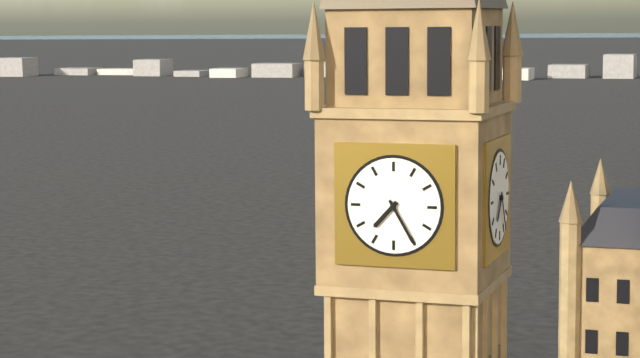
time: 7:25
